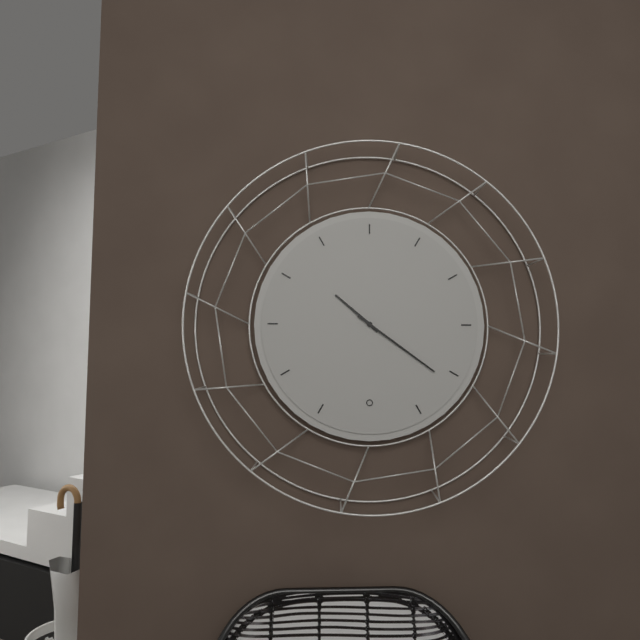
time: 10:21
